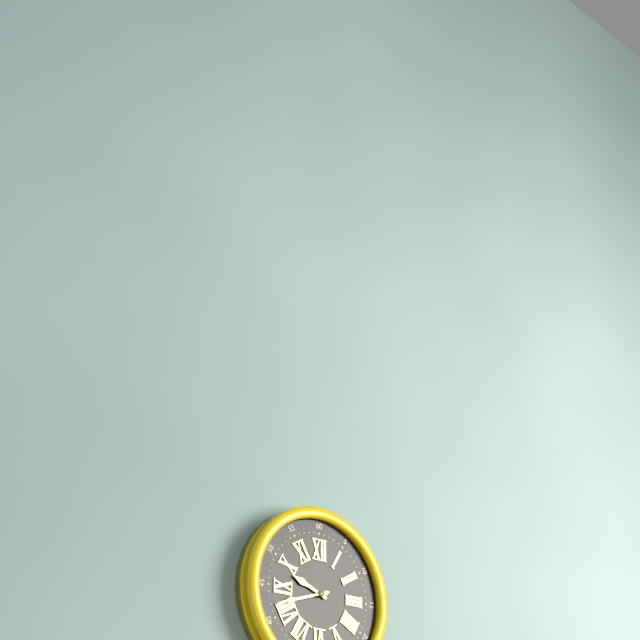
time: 9:42
